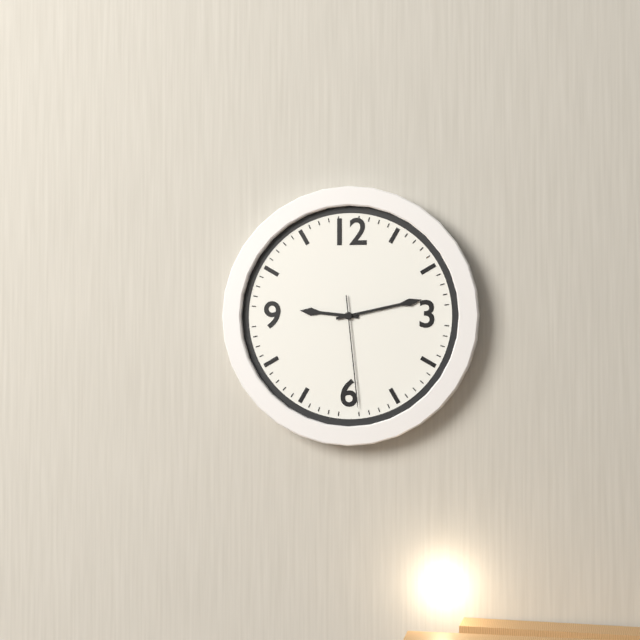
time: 9:13:29
